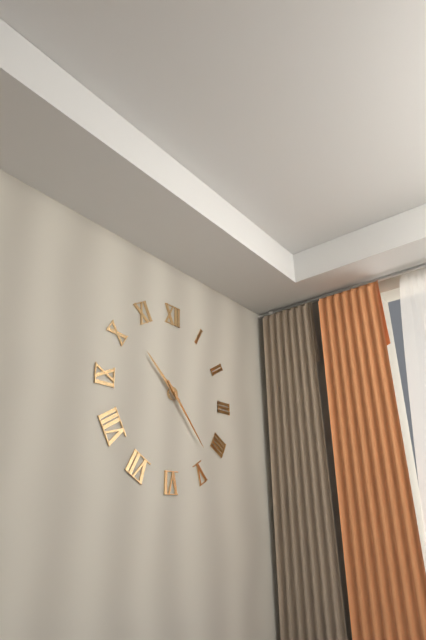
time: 10:23
